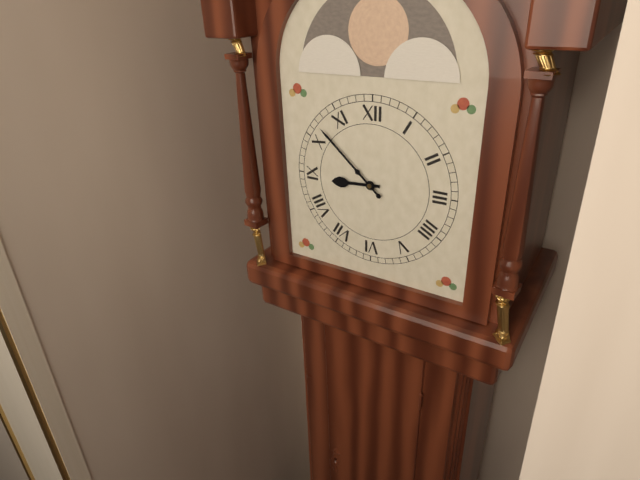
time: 8:52
